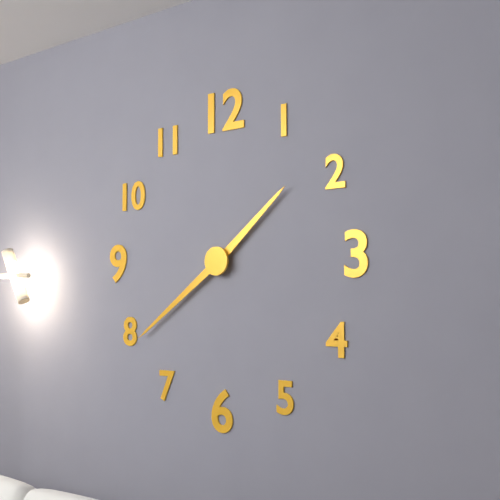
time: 1:39
